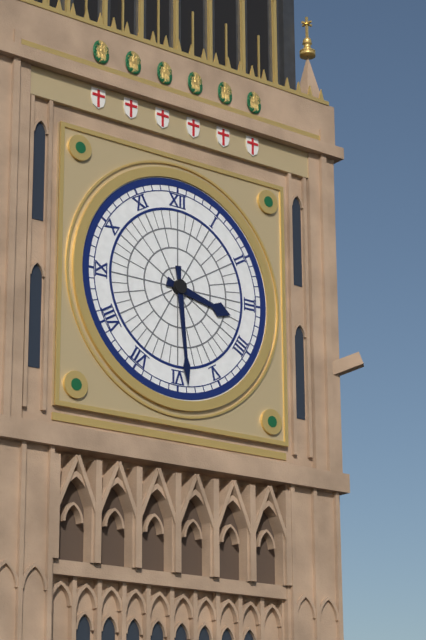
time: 3:29
